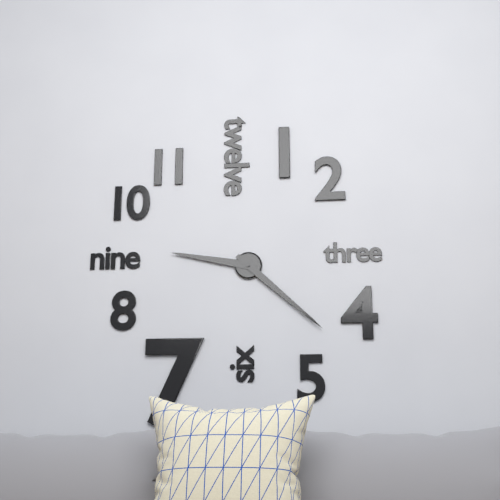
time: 9:22
